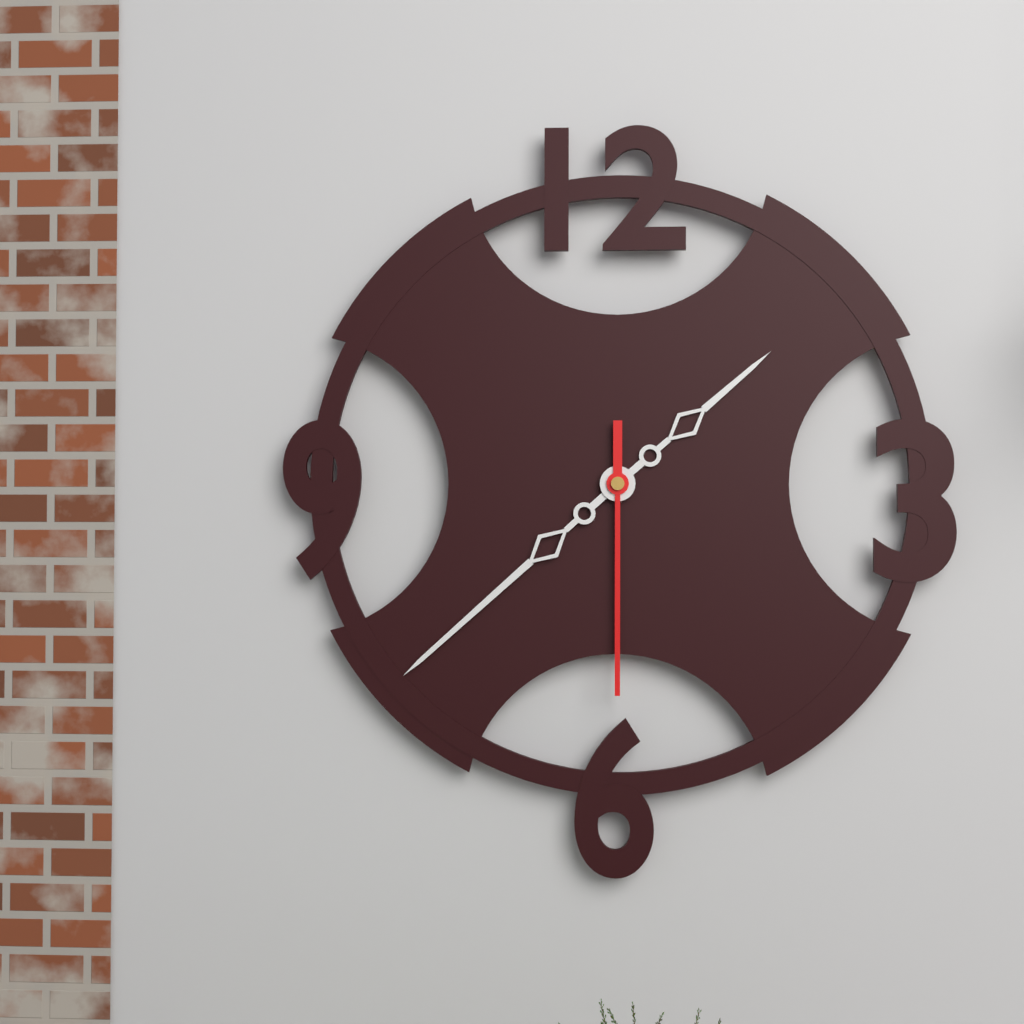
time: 1:38:30
